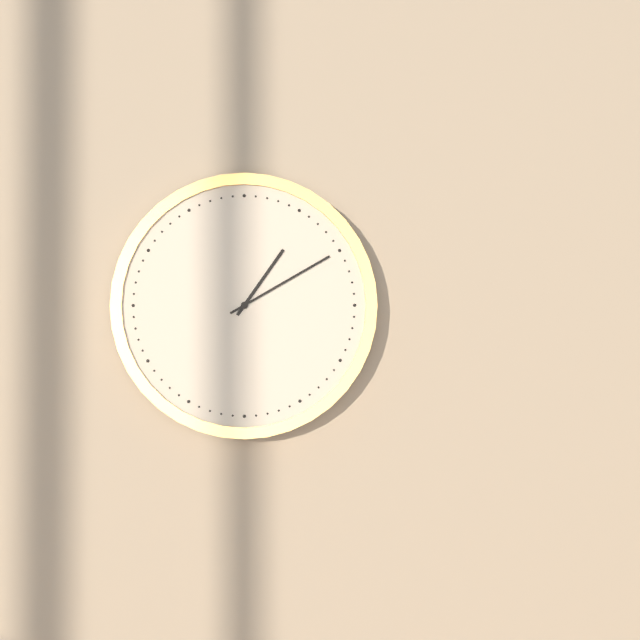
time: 1:10
